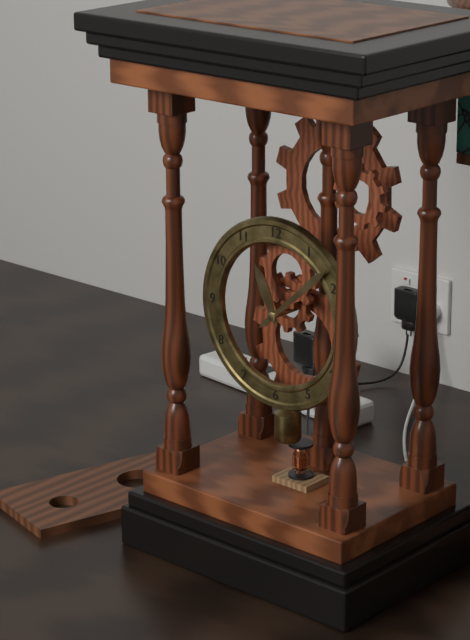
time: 11:08
